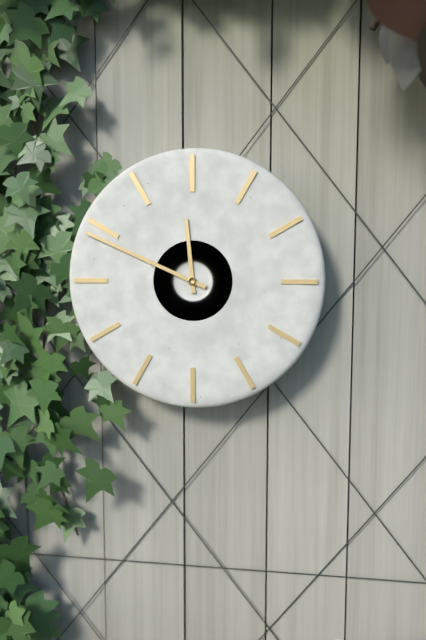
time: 11:49
